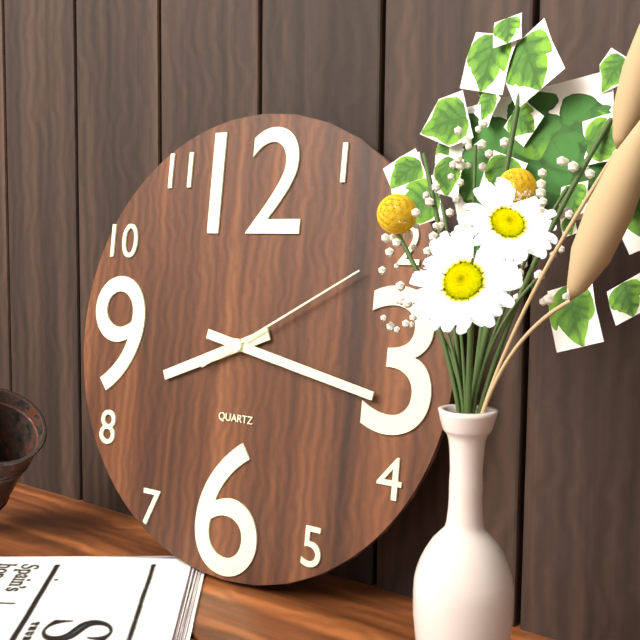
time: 8:17:10
